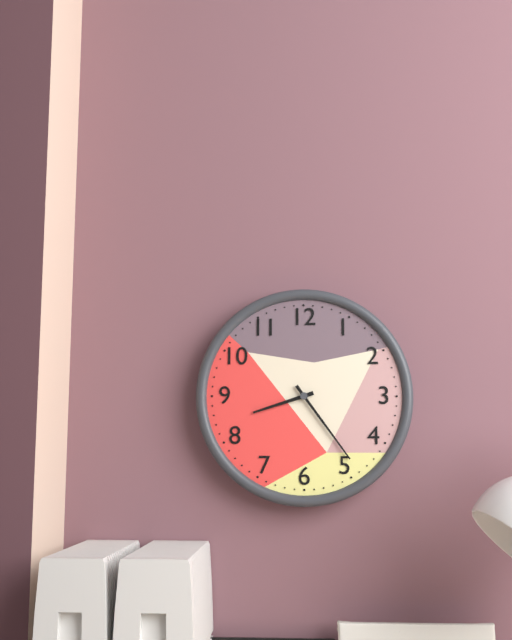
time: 8:24
